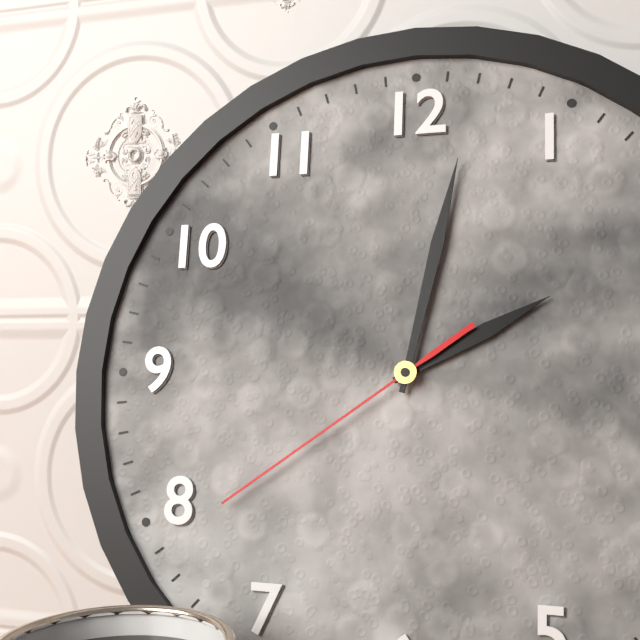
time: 2:02:39
